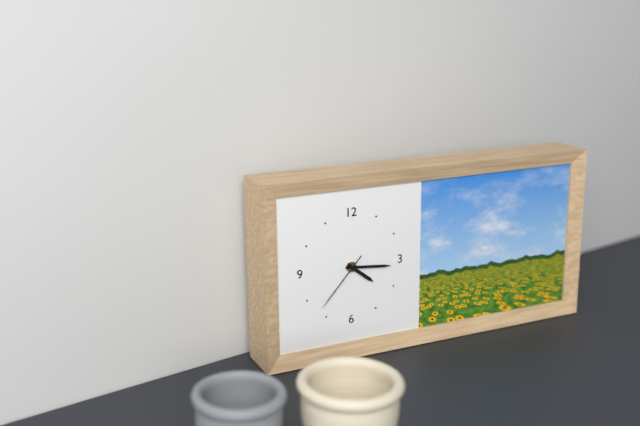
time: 4:16:37
